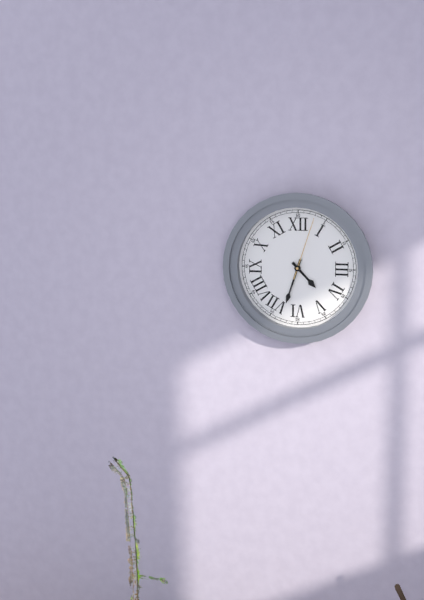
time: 4:33:03
